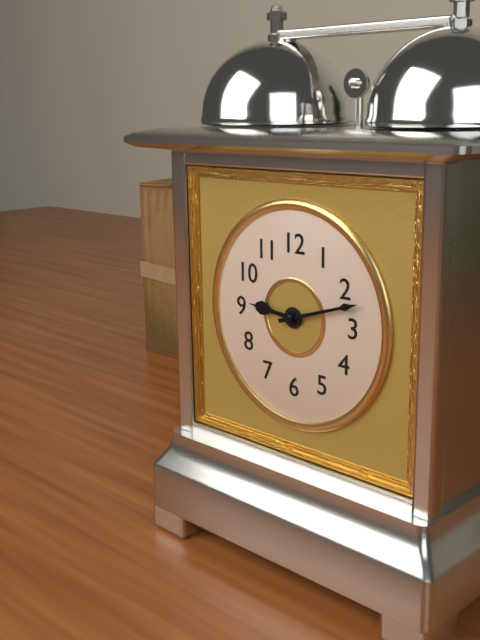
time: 9:12
